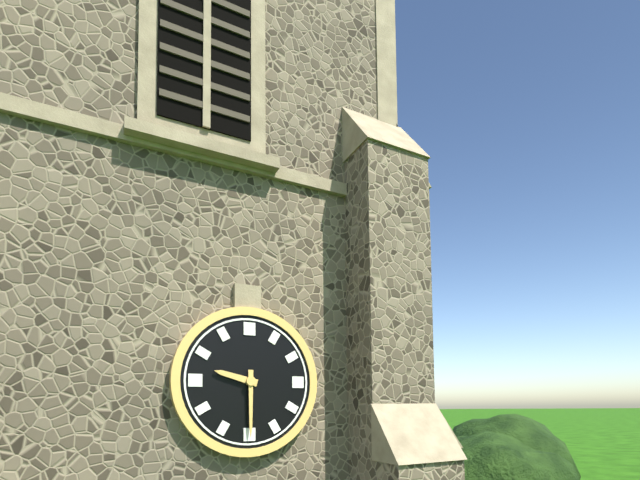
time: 9:30
